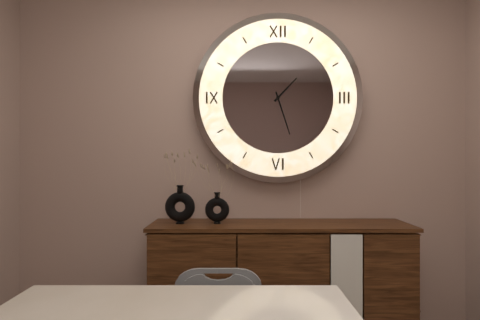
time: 1:27
